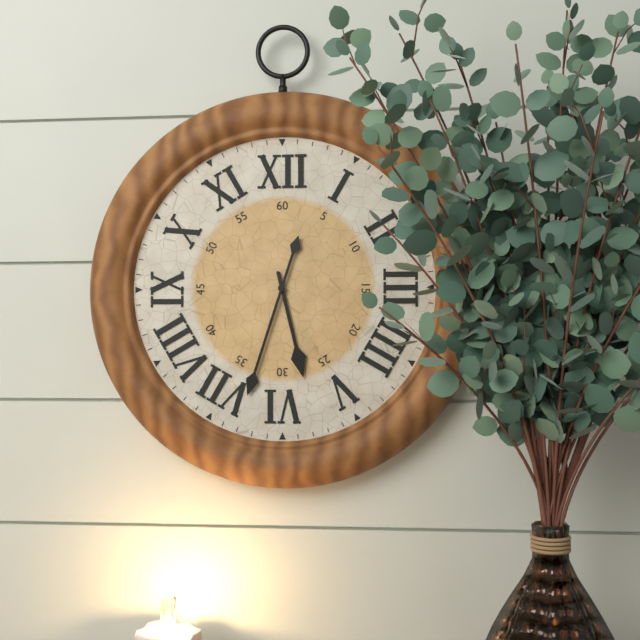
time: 5:33
